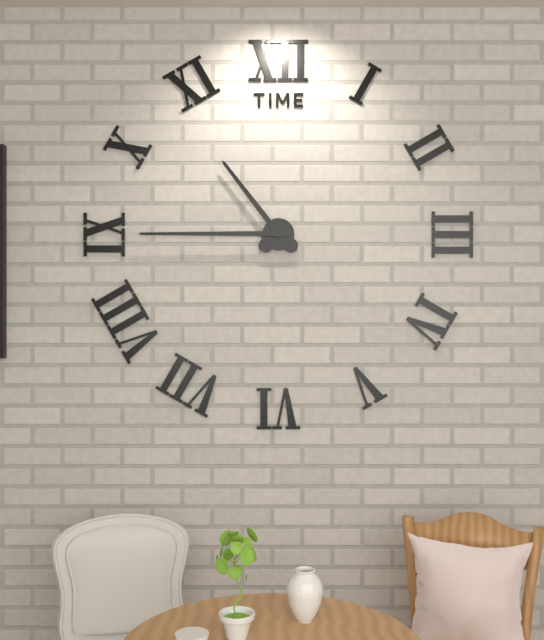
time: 10:45
